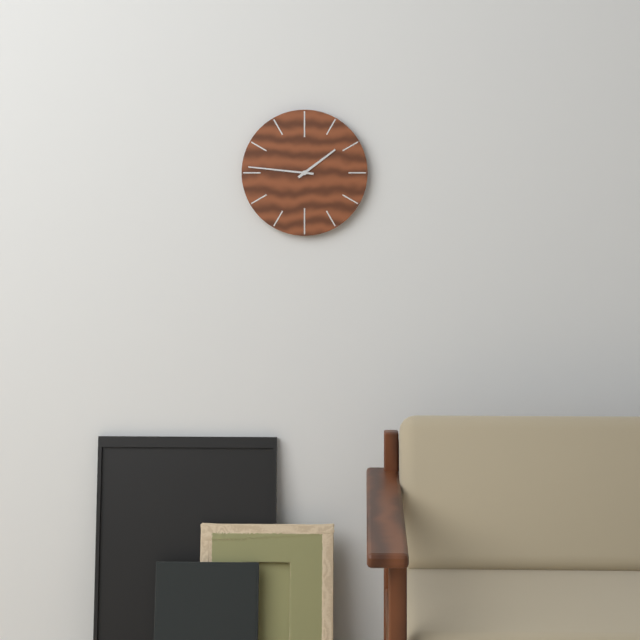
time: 1:46
